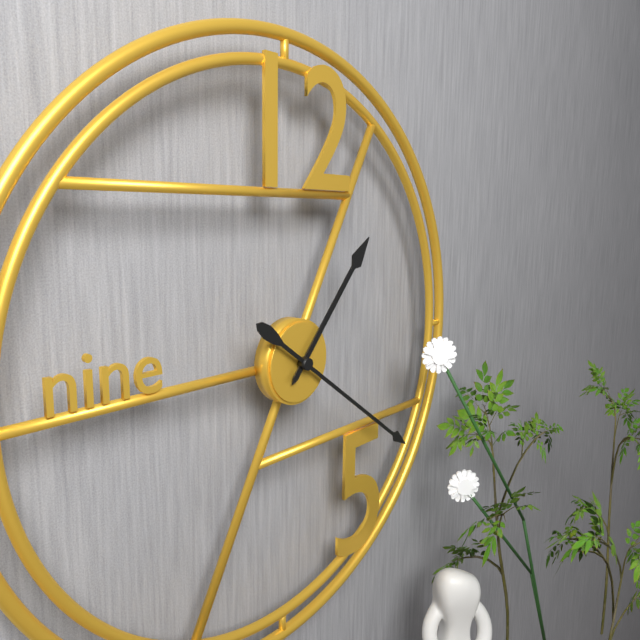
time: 1:21
